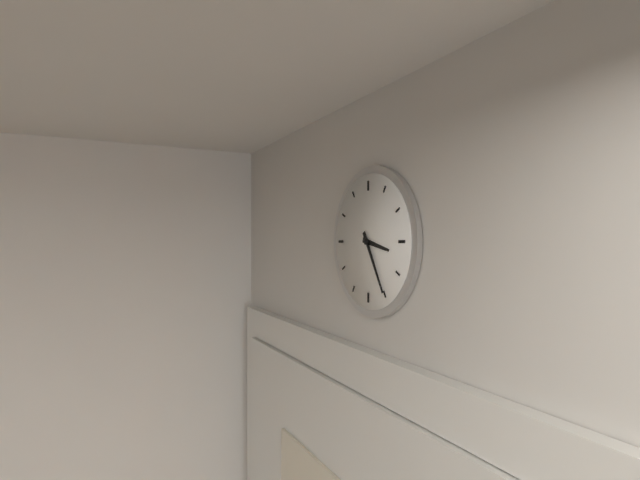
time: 3:25
